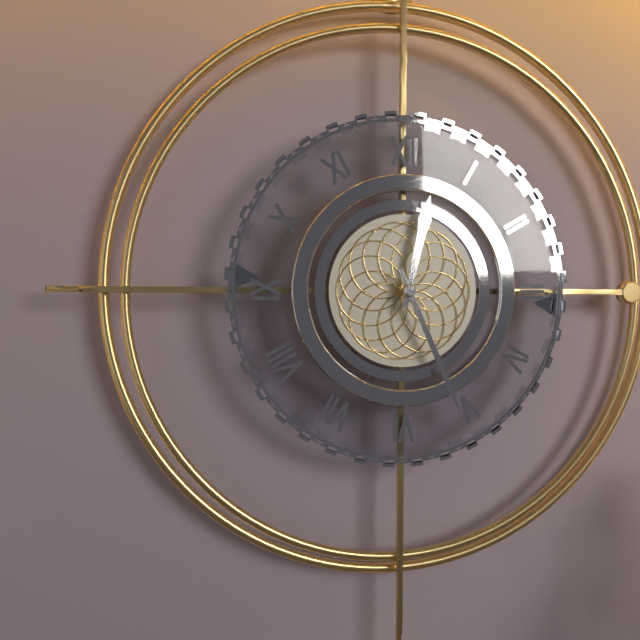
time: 12:26
